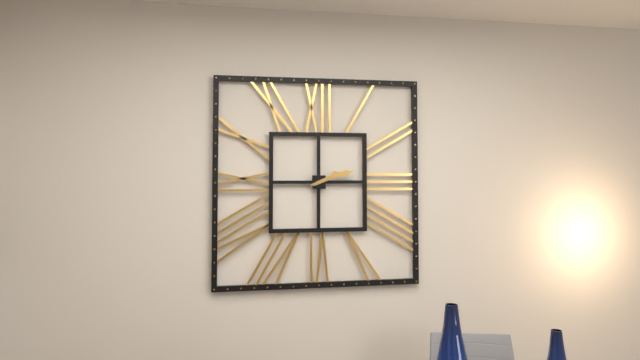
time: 2:12
